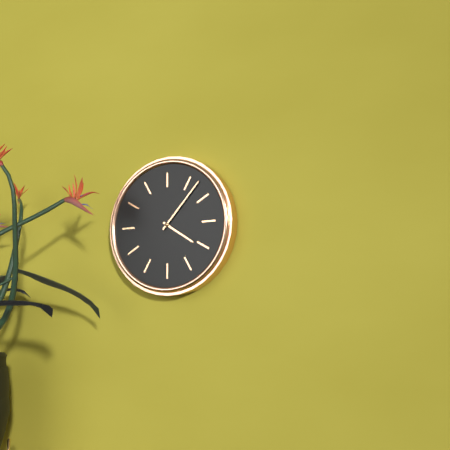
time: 4:07
